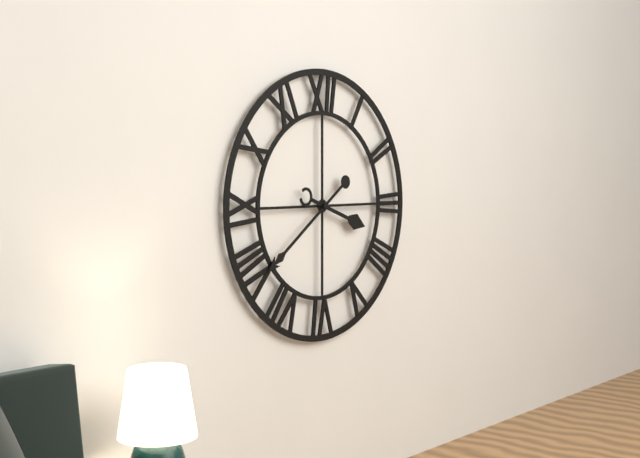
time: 3:39
